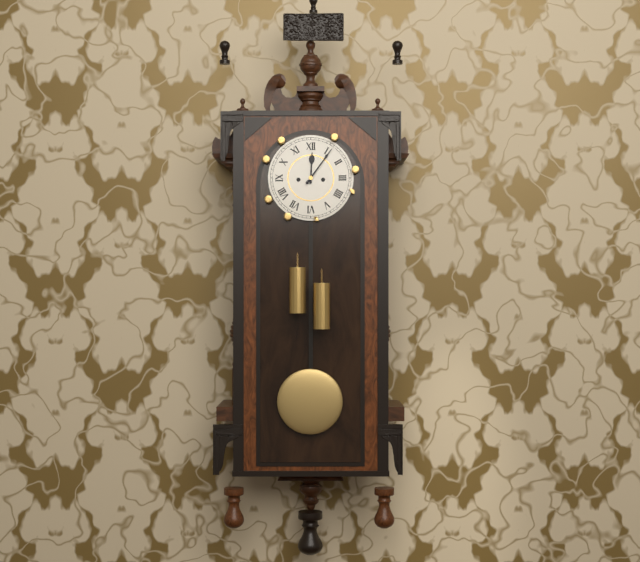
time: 12:06
